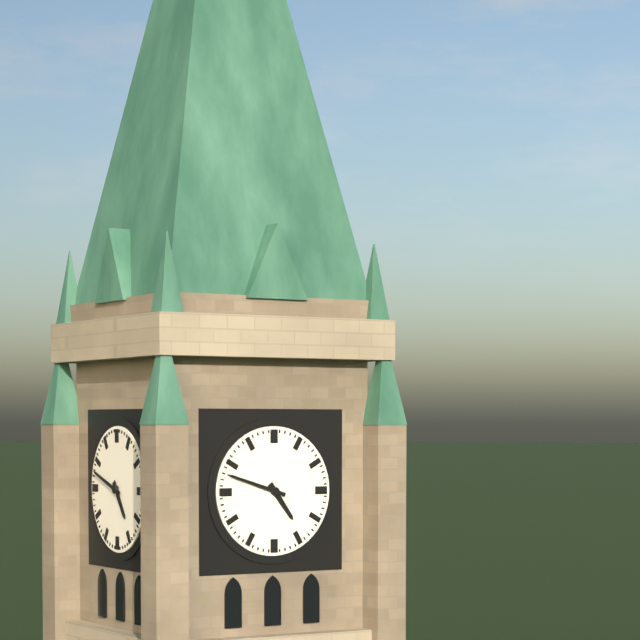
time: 4:48
